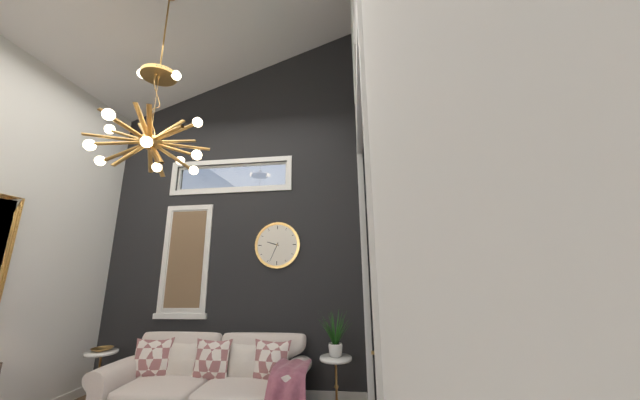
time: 9:34
